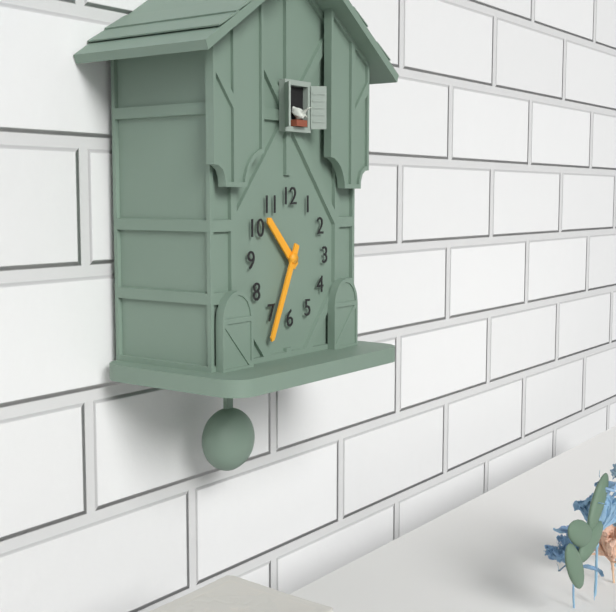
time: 10:34
